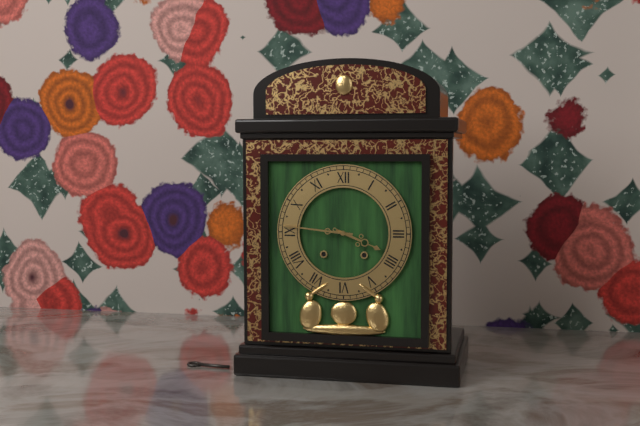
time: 3:46
